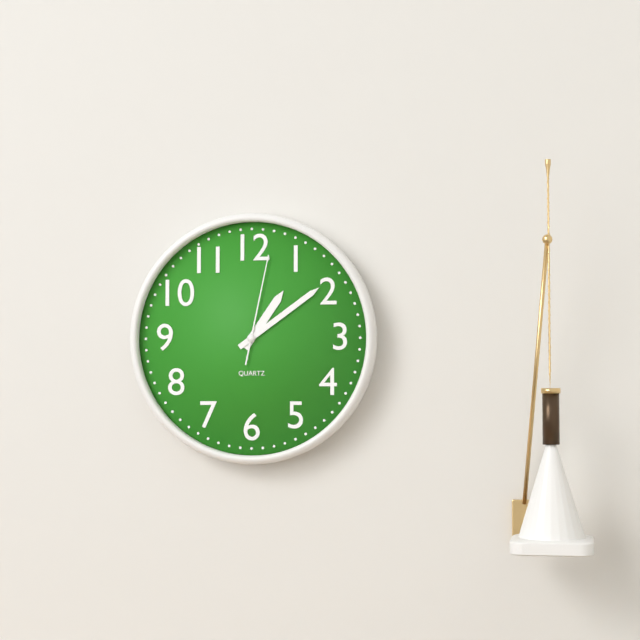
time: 1:09:02
